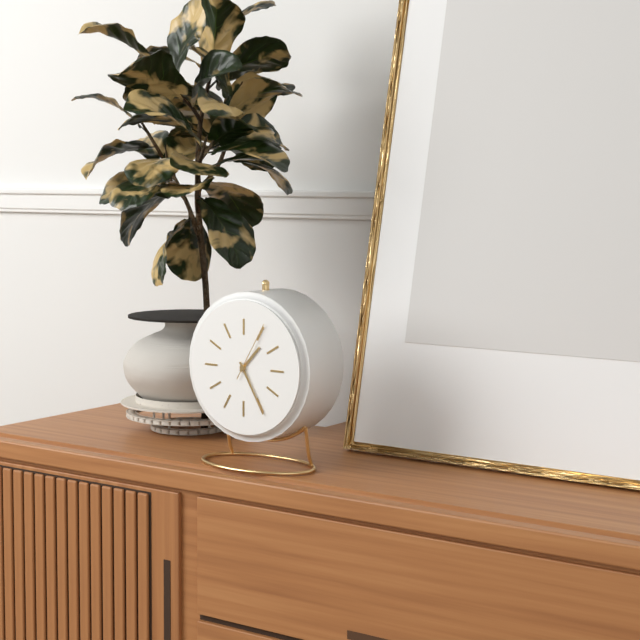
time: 1:25:05
